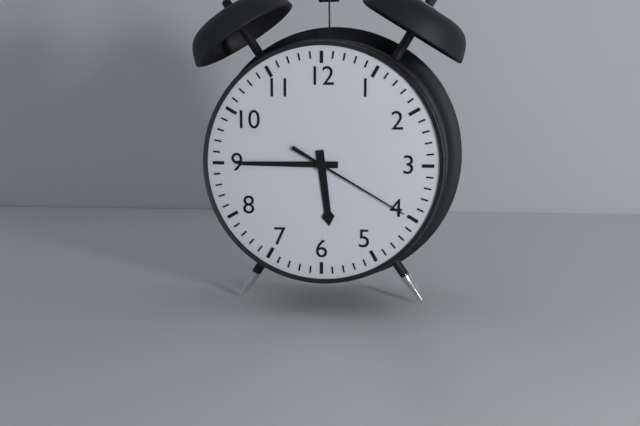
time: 5:45:20
